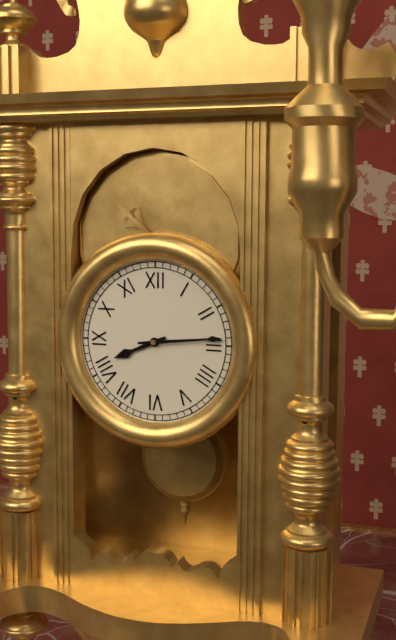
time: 8:14
